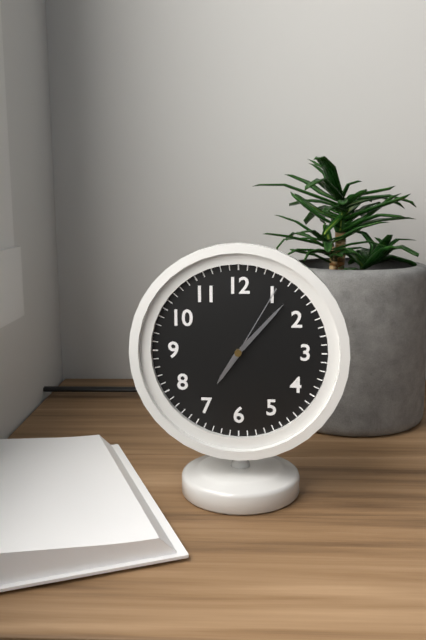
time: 7:07:05
